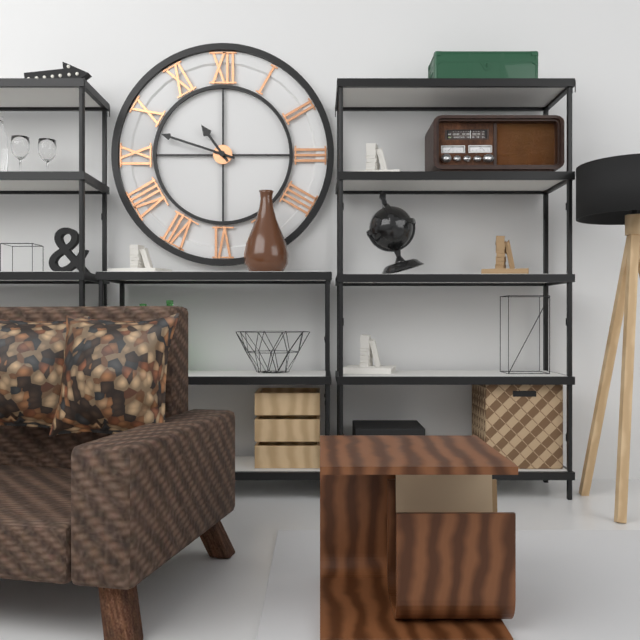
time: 10:48
